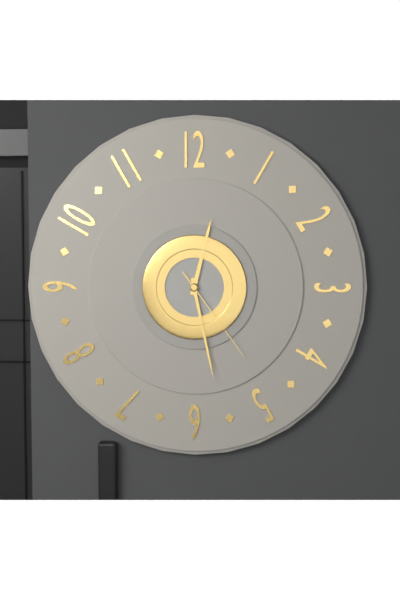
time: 12:28:24
